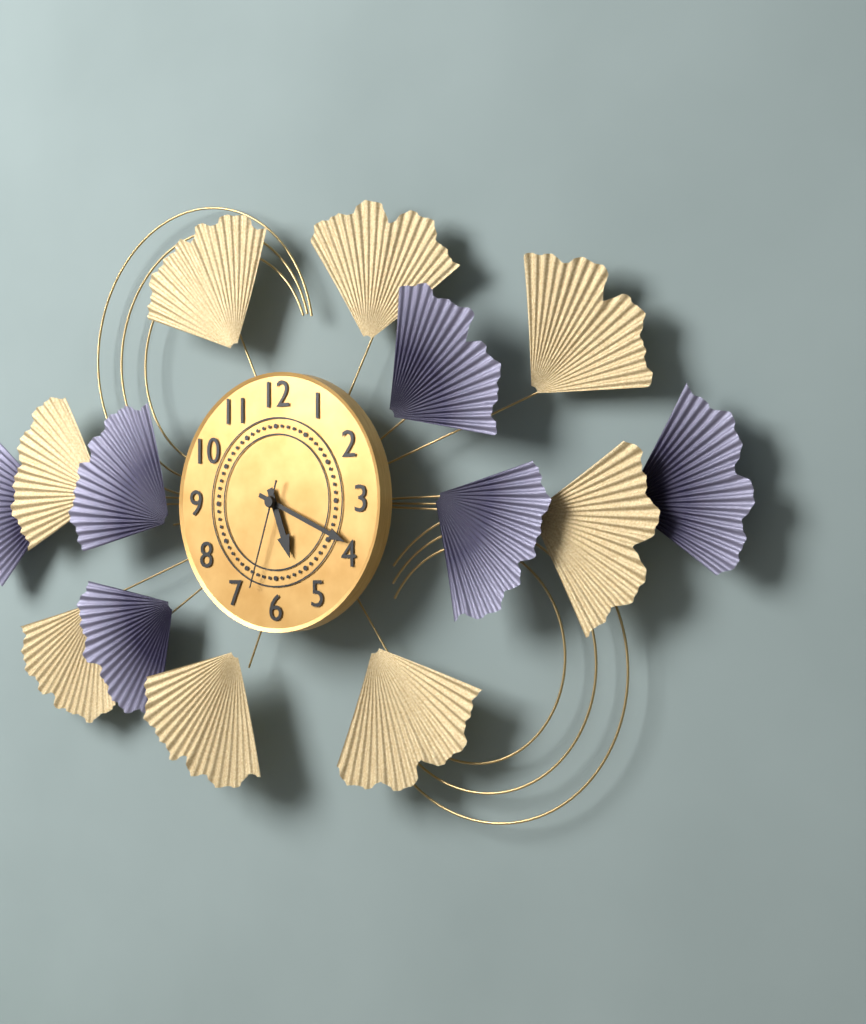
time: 5:19:33
